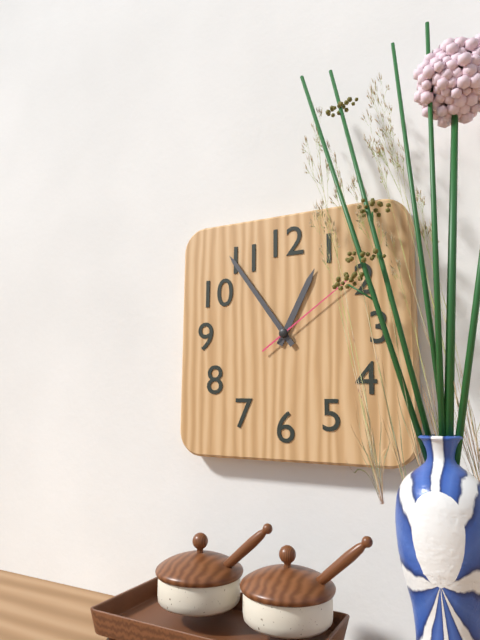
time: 12:54:09
